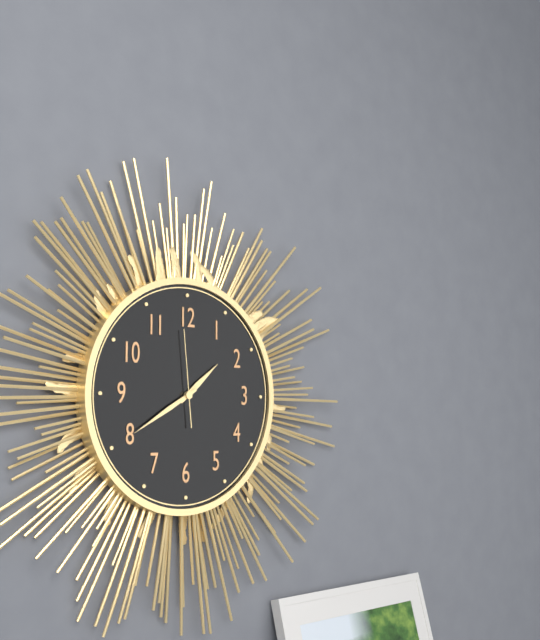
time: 1:40:59
